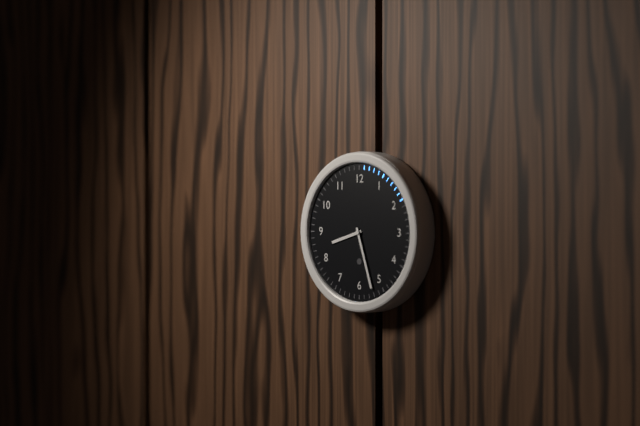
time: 8:27
